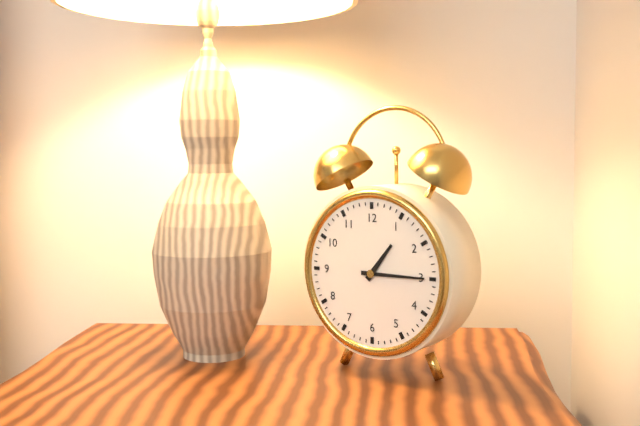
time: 1:15
